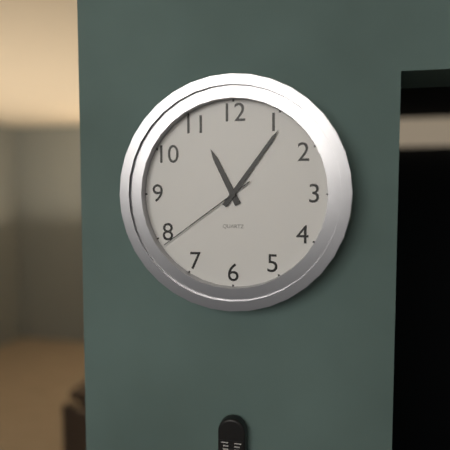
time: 11:06:39
